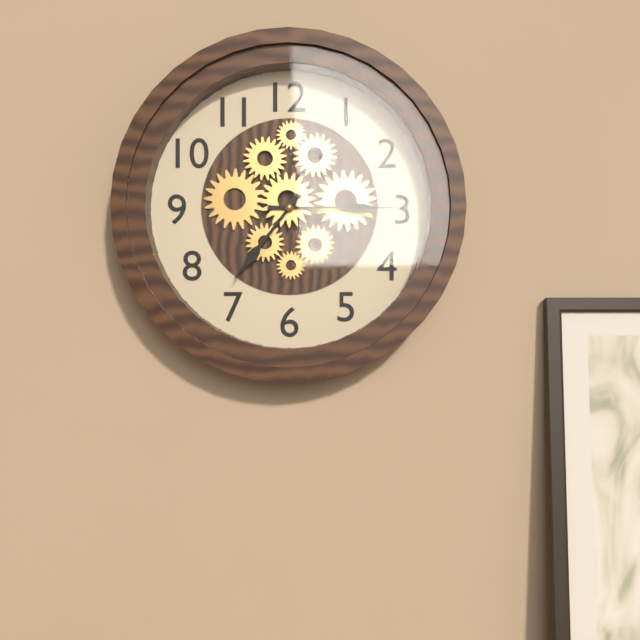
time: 7:15
